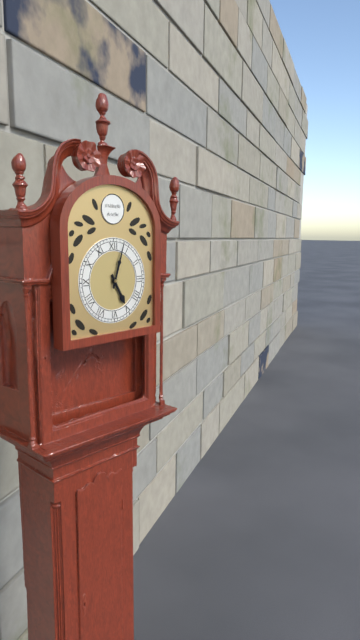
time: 5:03
